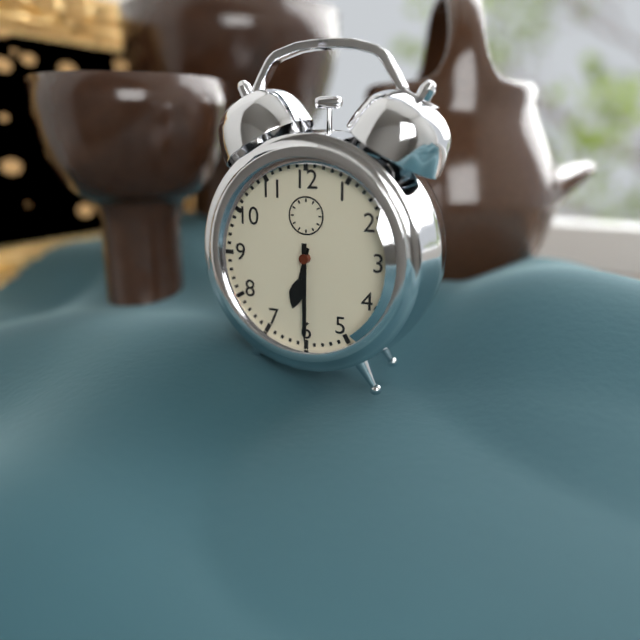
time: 6:30
